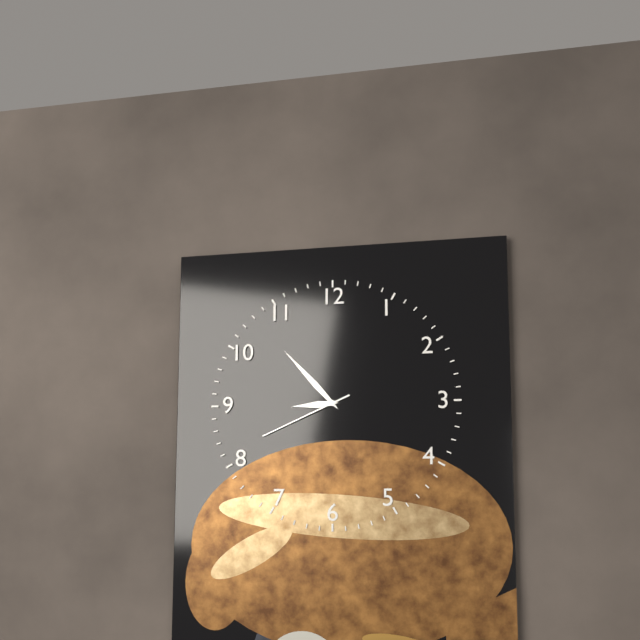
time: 8:53:41
